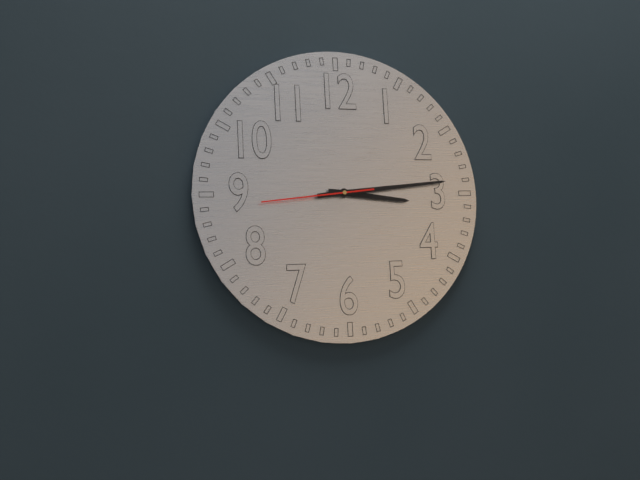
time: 3:14:44
